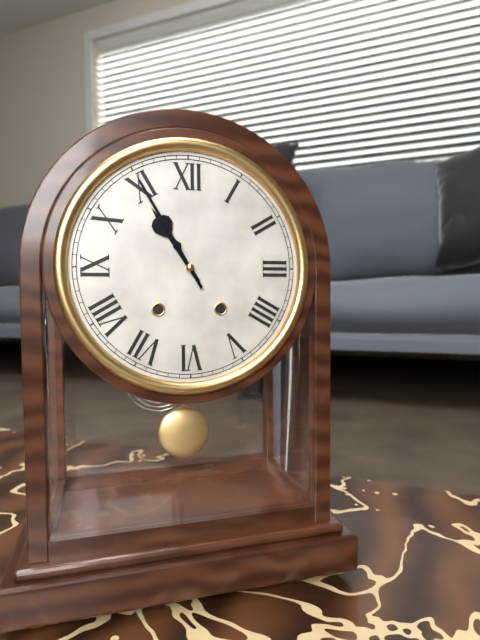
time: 10:55
